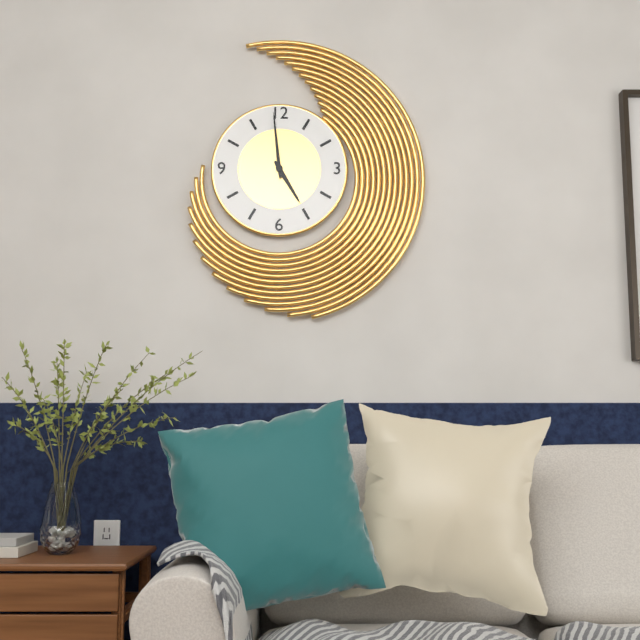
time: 4:59
